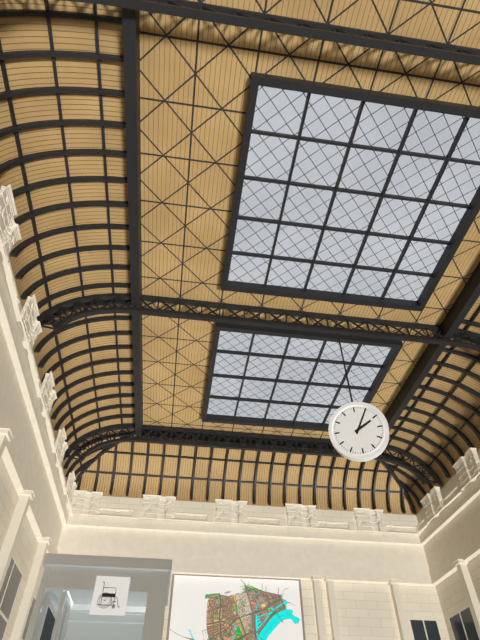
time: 2:05
